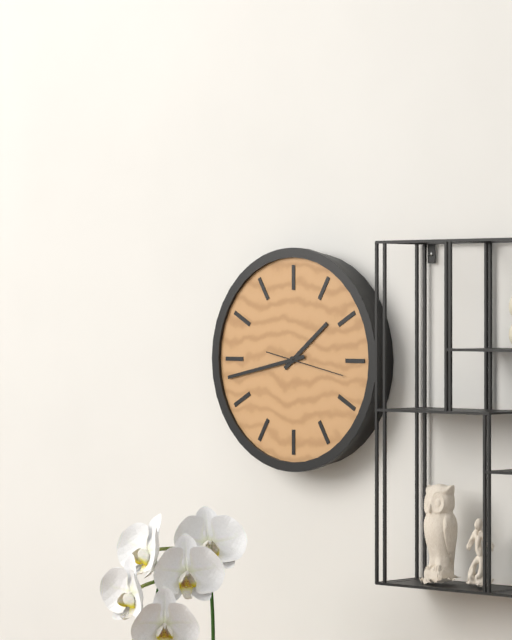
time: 1:43
